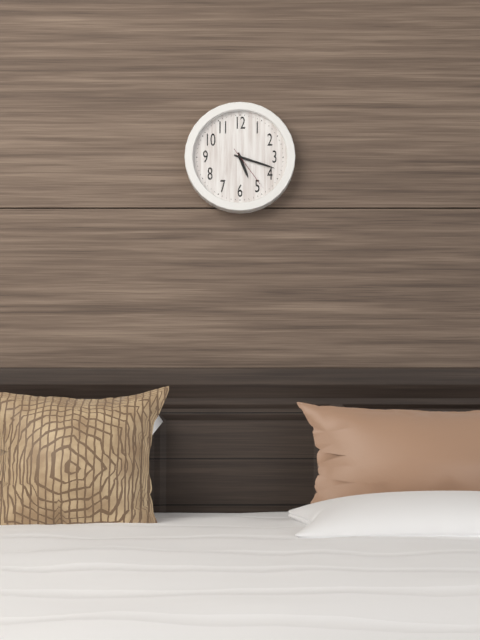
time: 5:18
